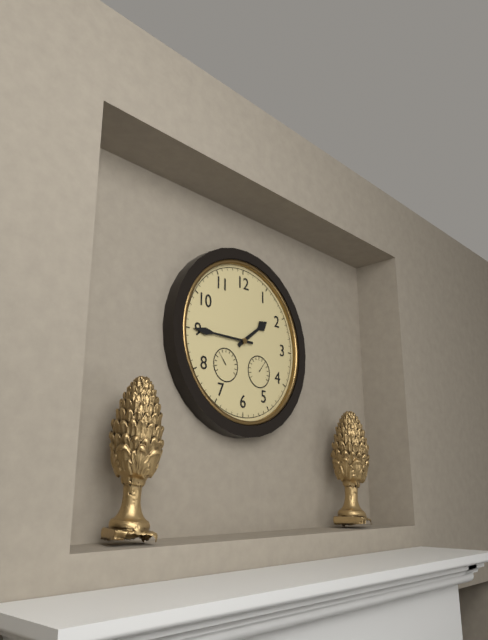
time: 1:45
